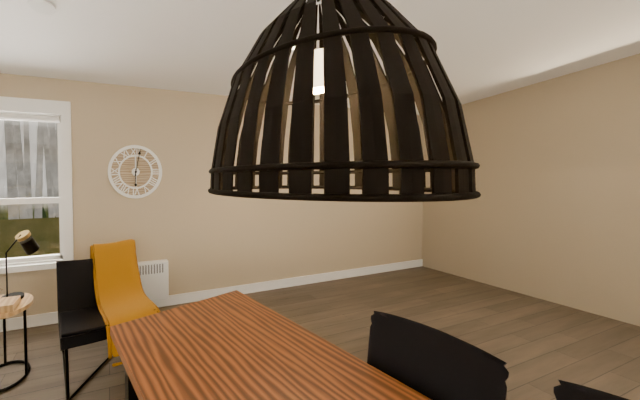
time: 6:02
